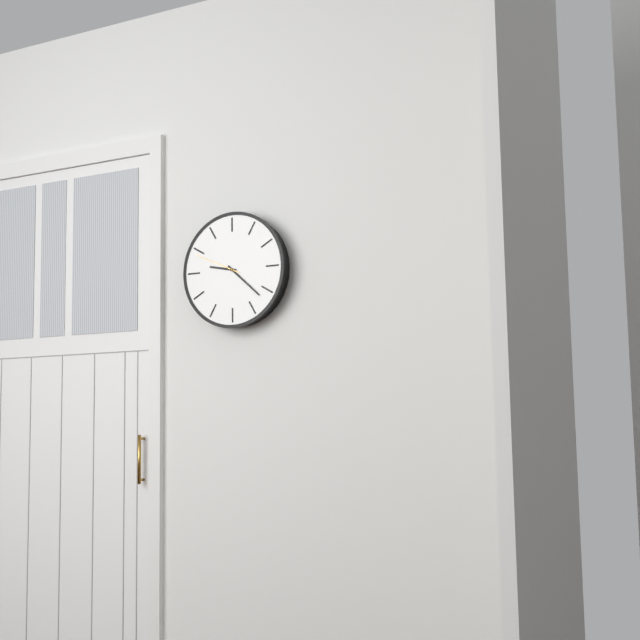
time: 9:22
